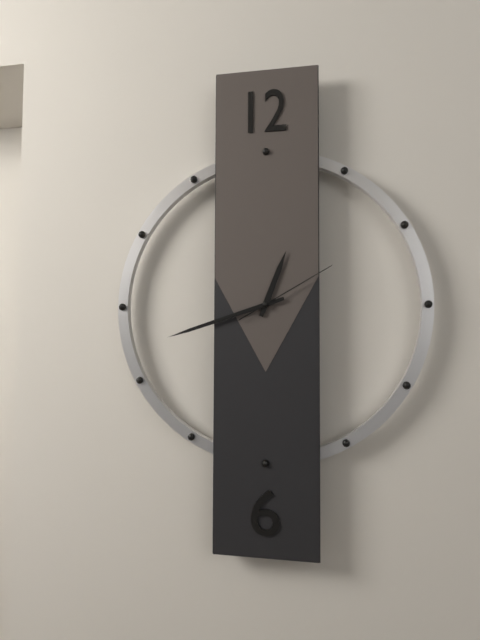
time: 12:42:10
